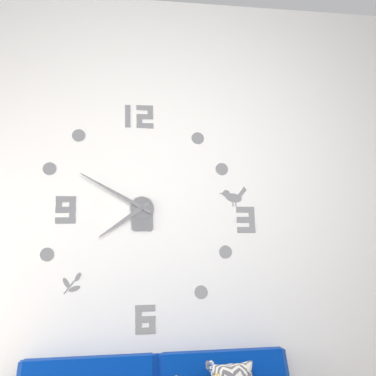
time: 7:50
